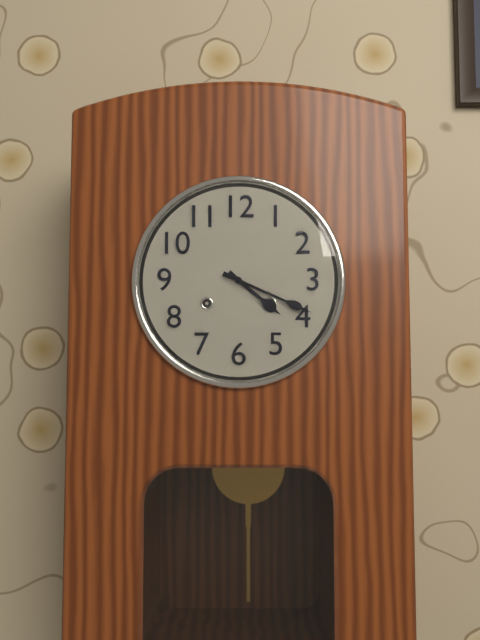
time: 4:19
